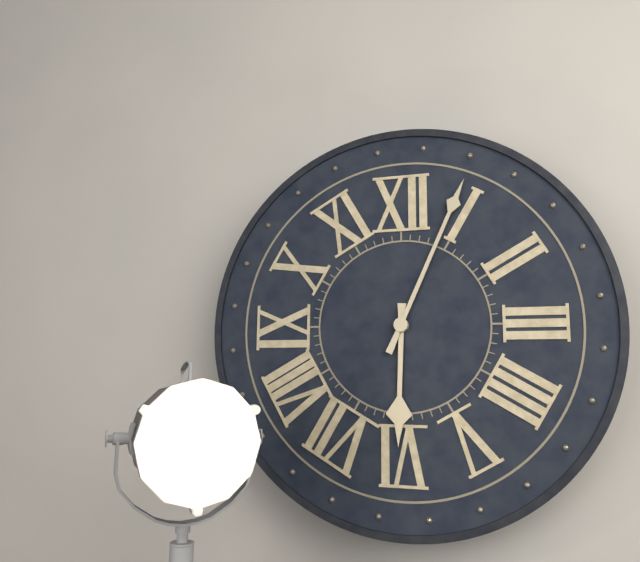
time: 6:04
